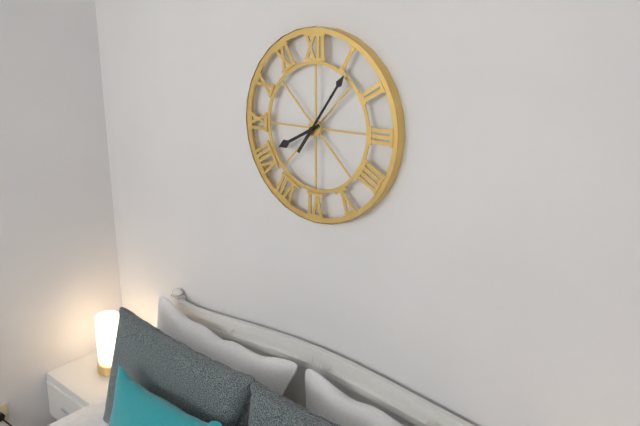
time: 8:06
